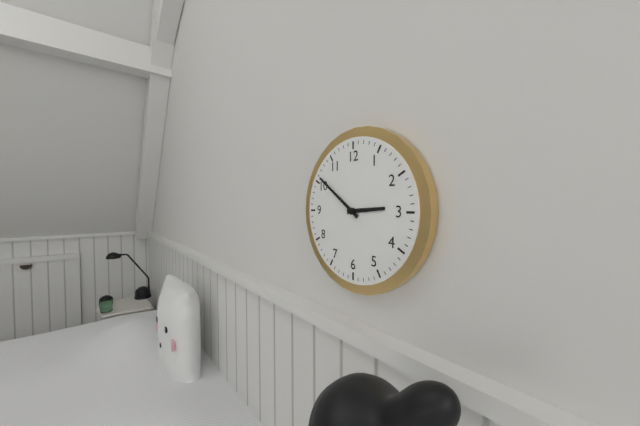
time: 2:51
